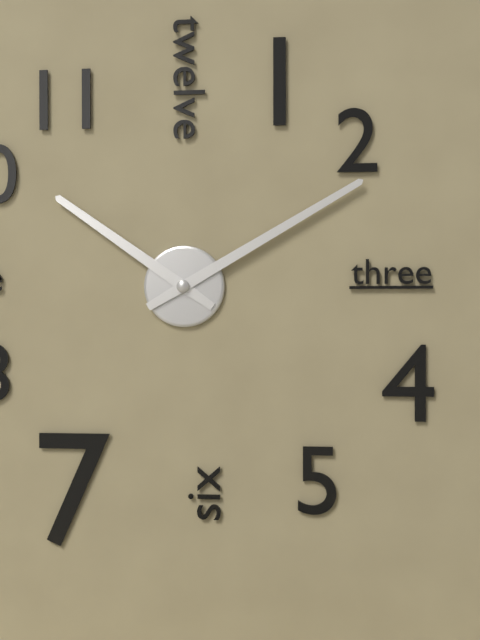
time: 10:10
